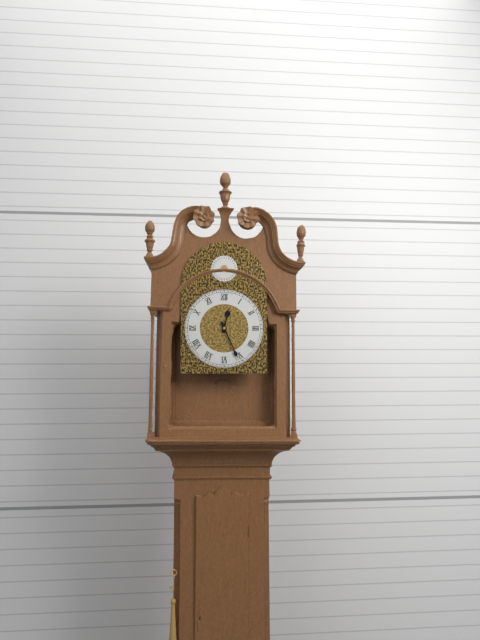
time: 12:26
